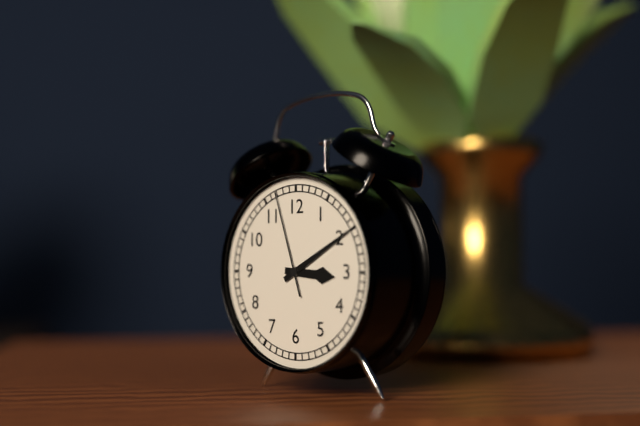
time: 3:10:57
